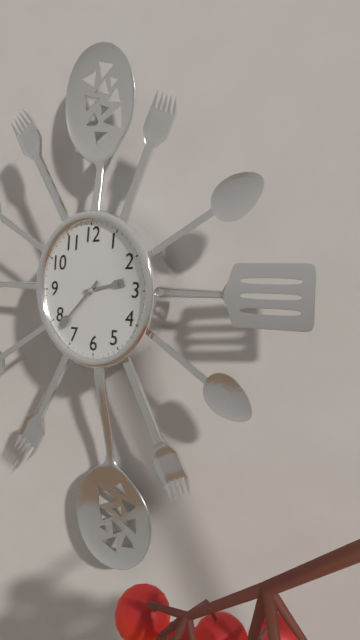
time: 2:38
